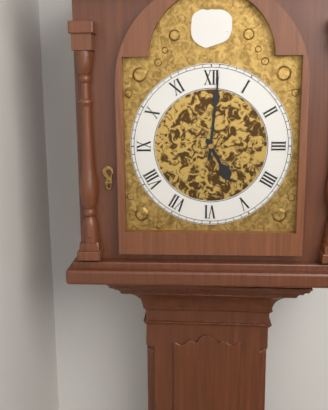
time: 5:01
